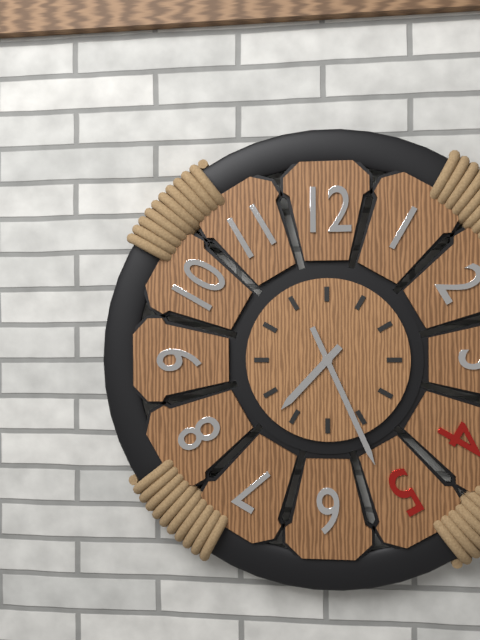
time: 7:26
